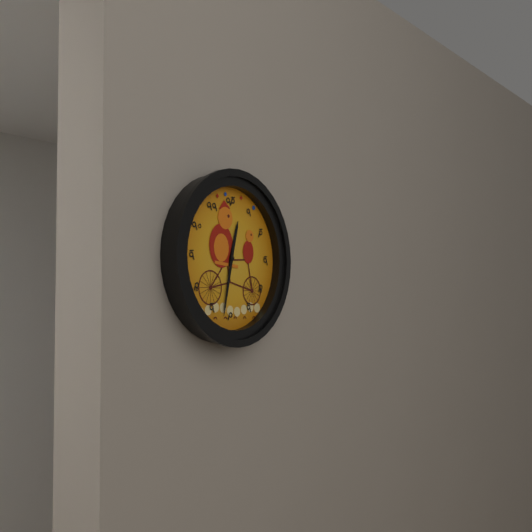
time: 12:32
